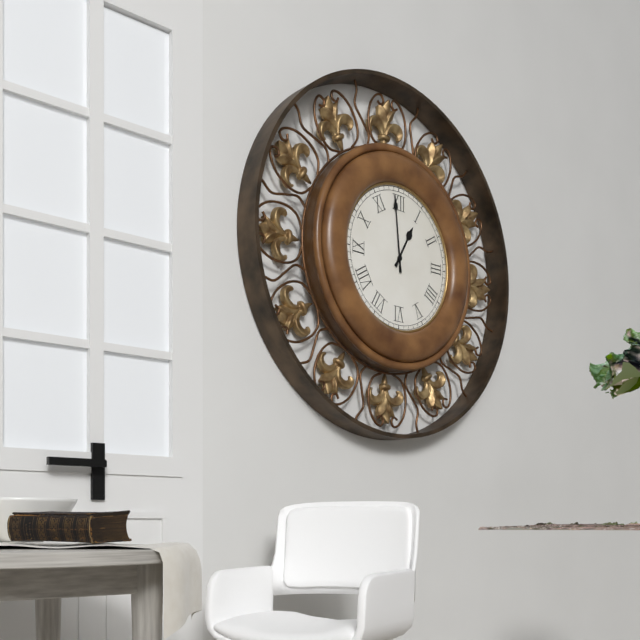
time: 12:59
